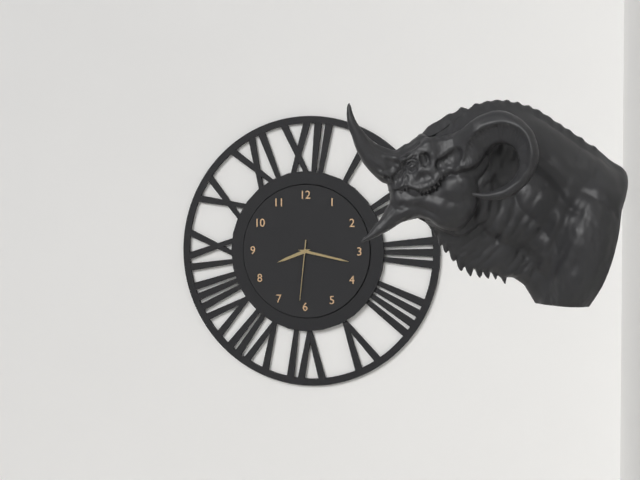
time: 8:17:31
